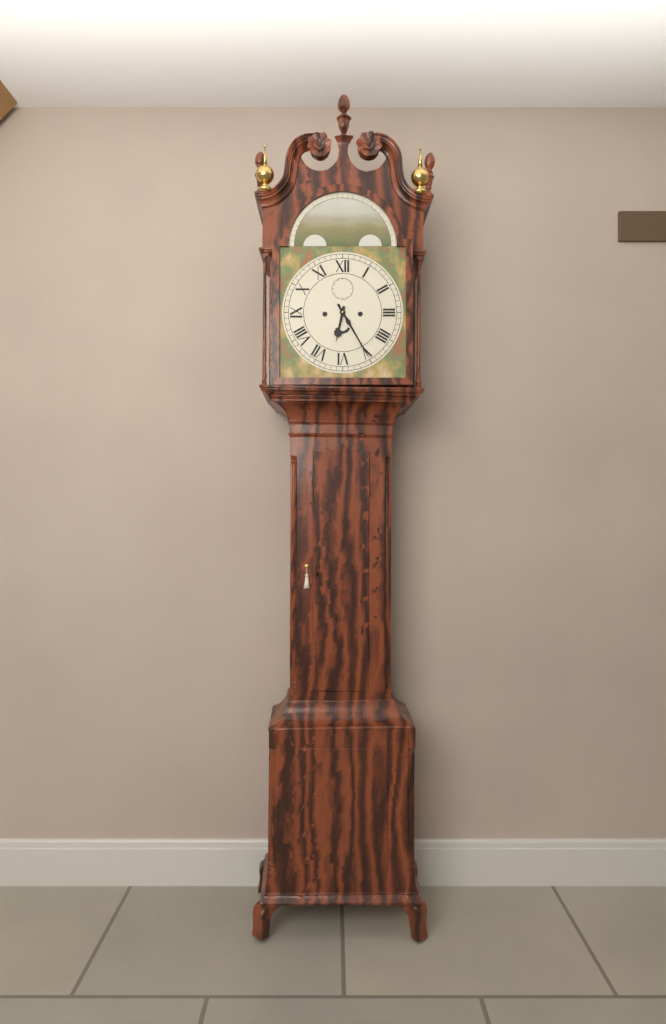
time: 6:25
